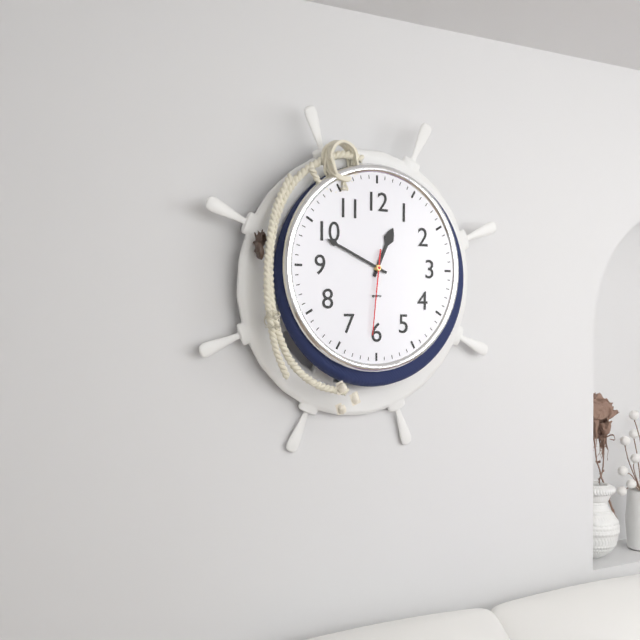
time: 12:49:31
